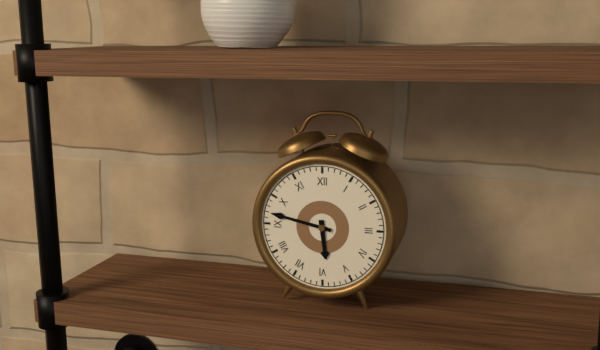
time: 5:47
